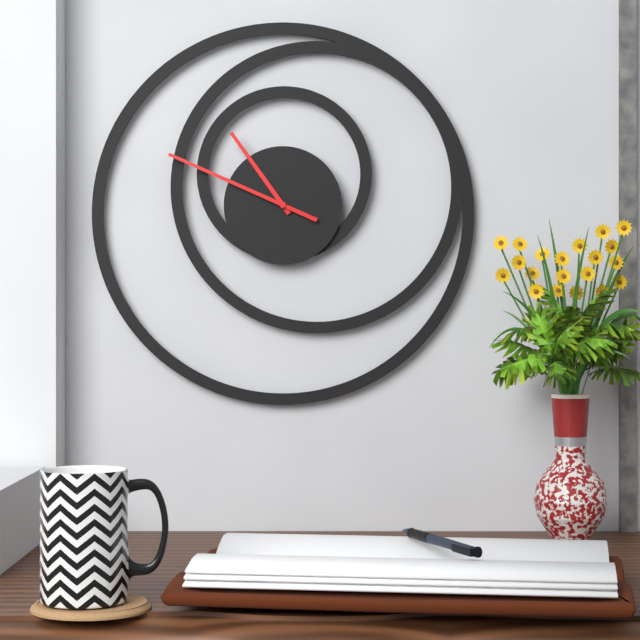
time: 10:49
